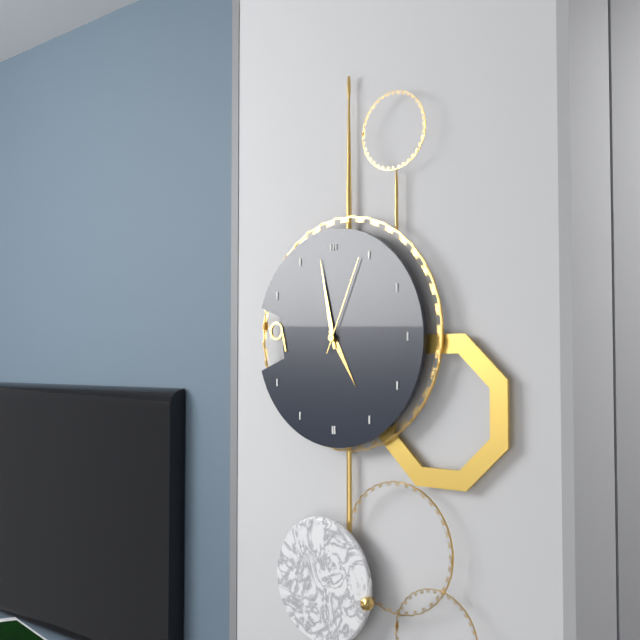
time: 4:58:04
